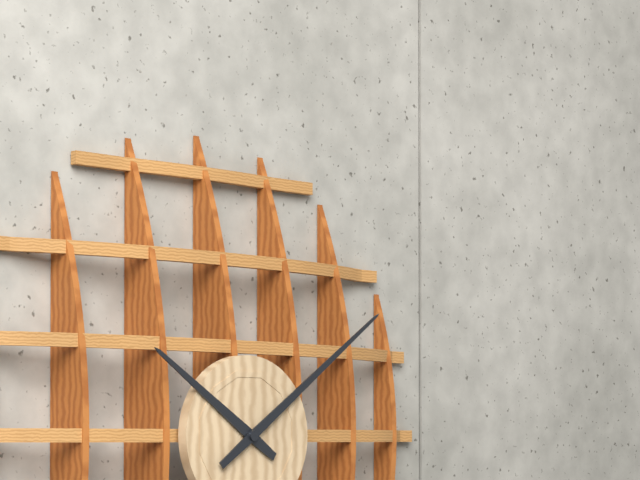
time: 10:09
